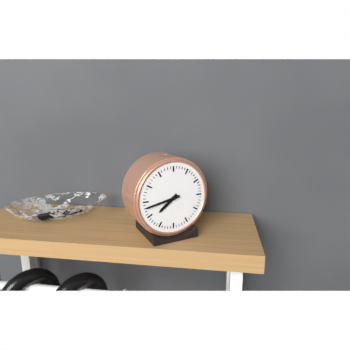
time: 7:43
